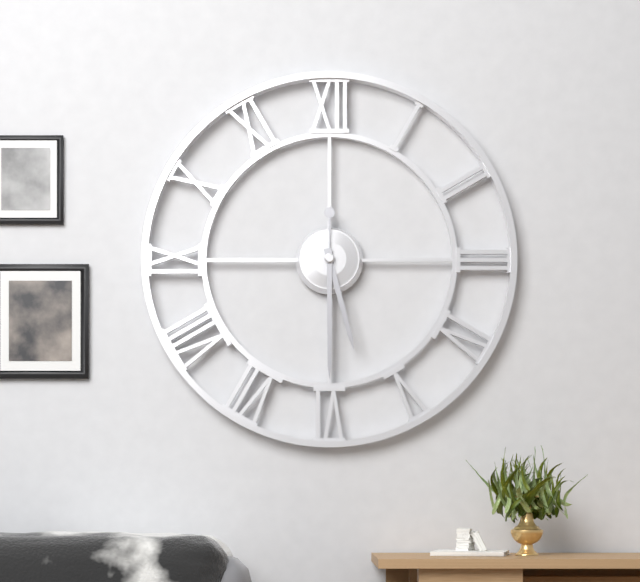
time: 5:30
